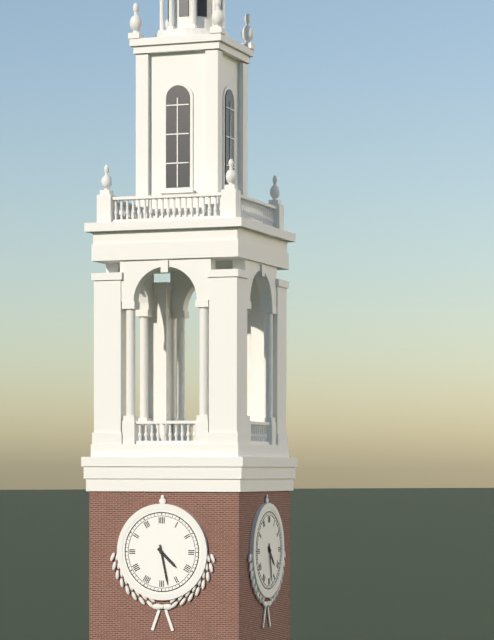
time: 4:28
